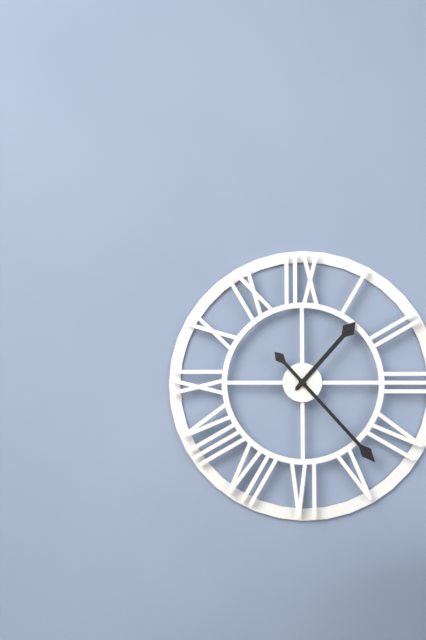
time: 1:23
